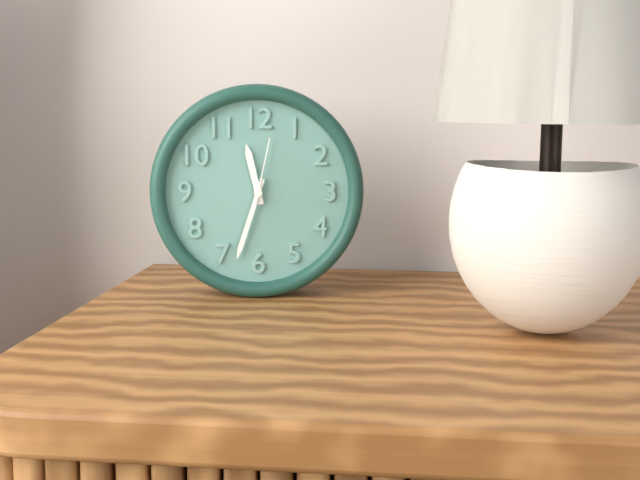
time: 11:33:02
